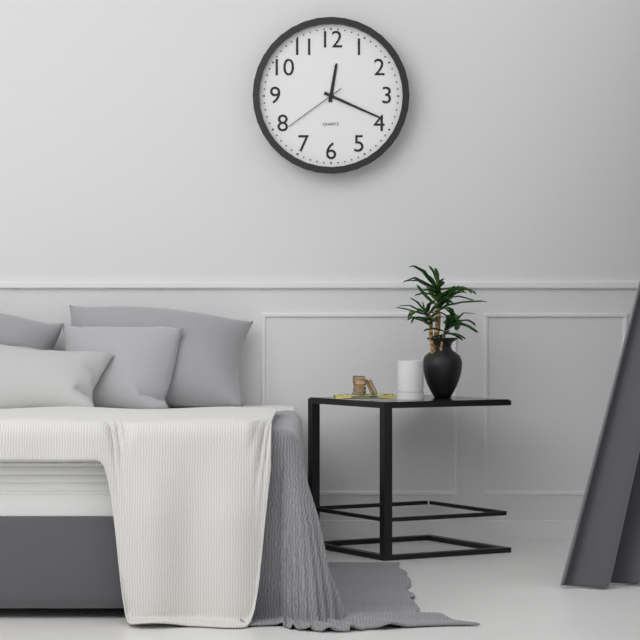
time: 12:19:39
